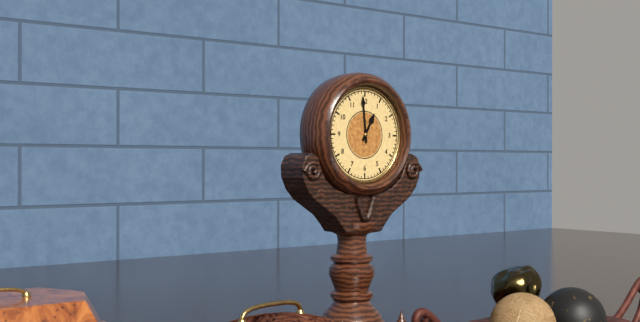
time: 12:59
